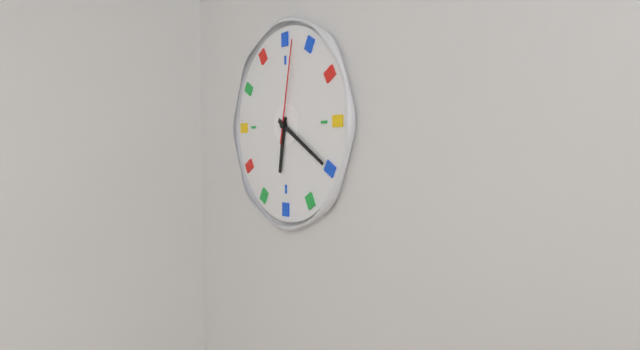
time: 6:20:02
